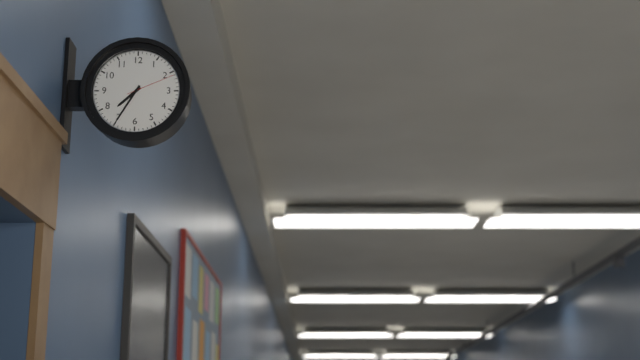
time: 7:35:11
